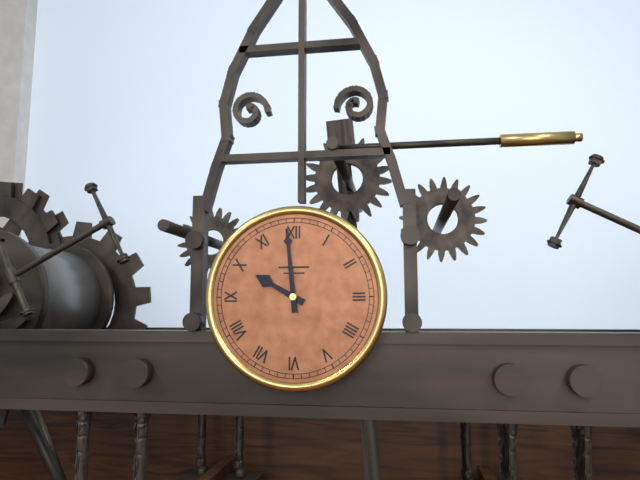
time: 9:59
